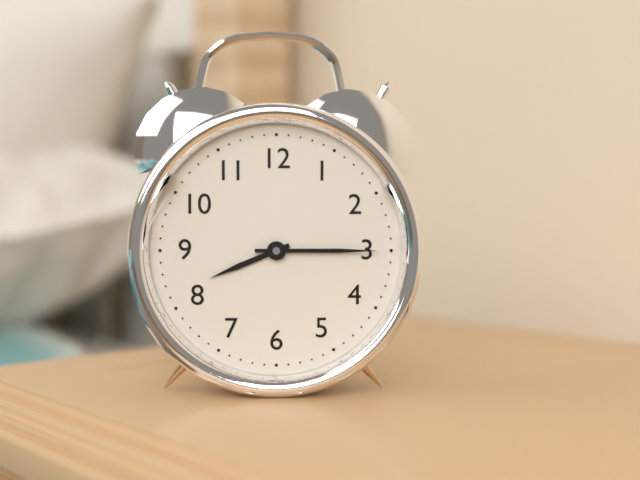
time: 8:15
